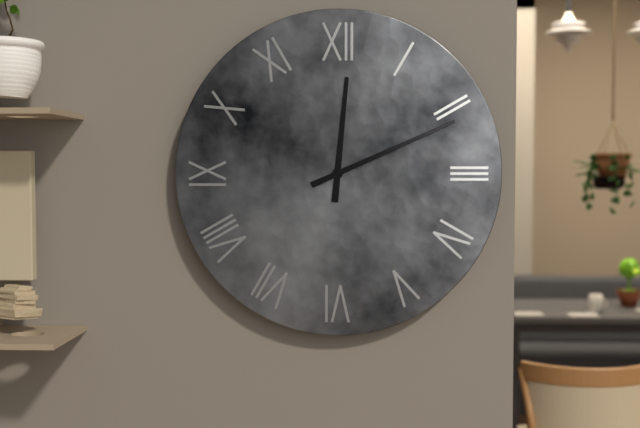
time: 12:11
